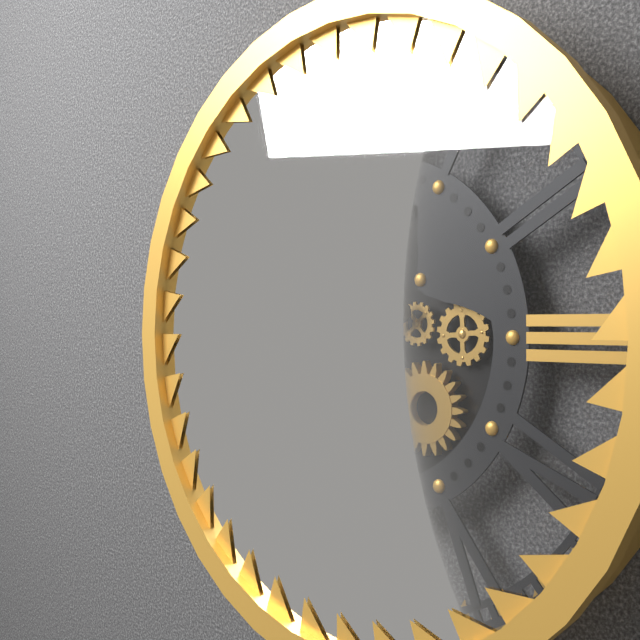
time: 8:00
